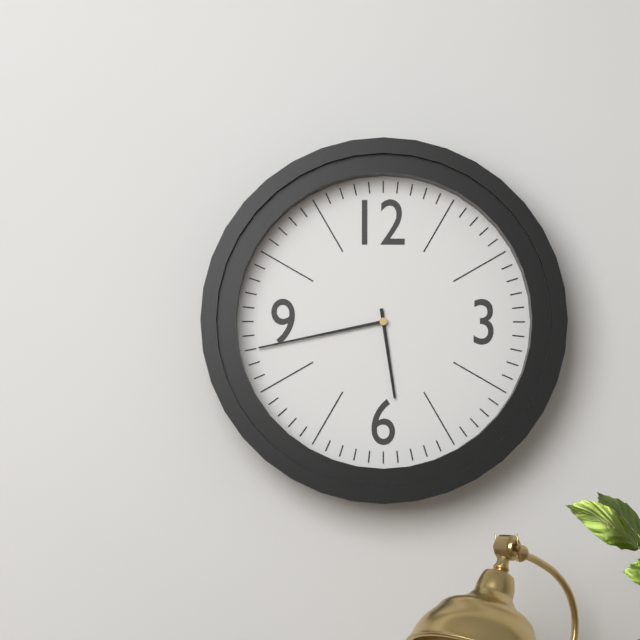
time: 5:43
